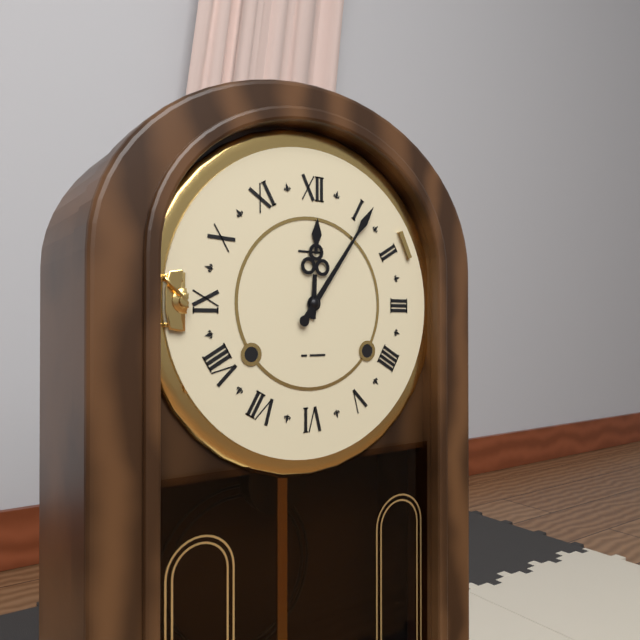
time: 12:06
